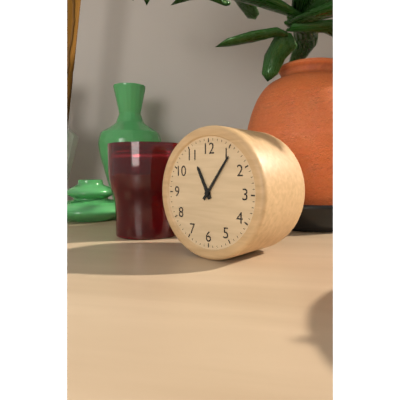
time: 11:06
